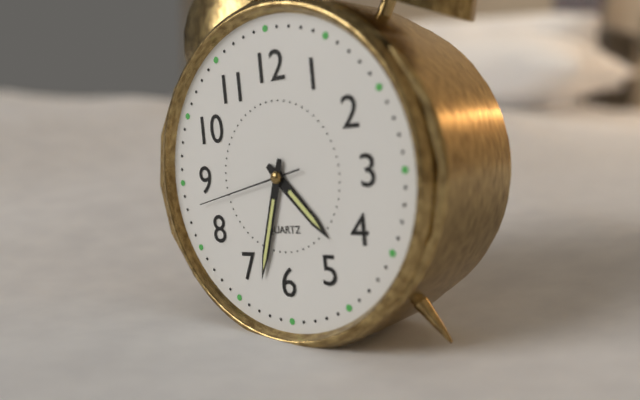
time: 4:33:43
